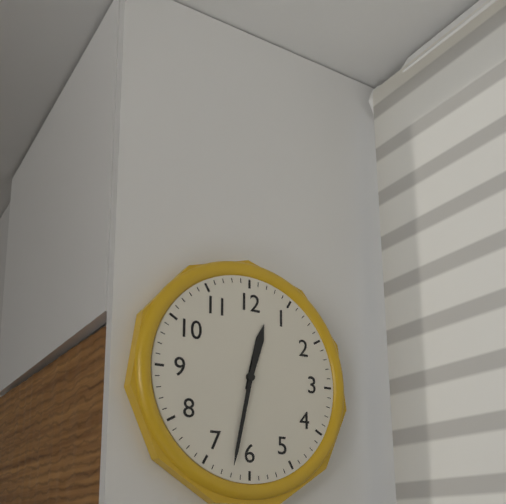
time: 12:32
